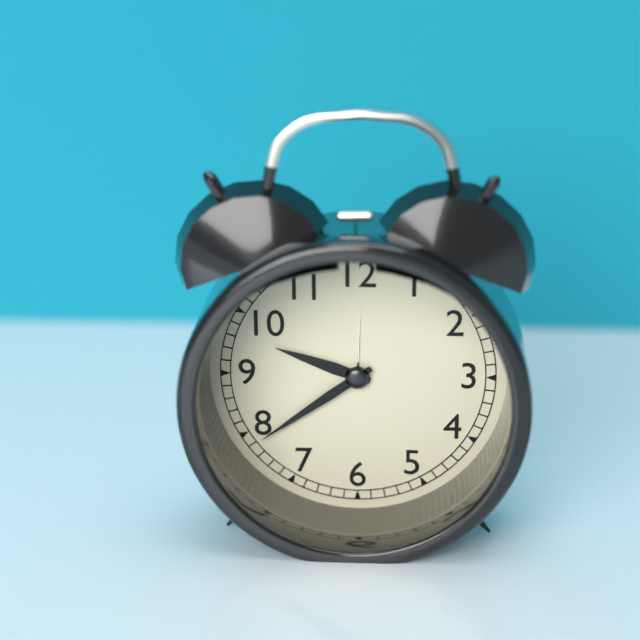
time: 9:39
